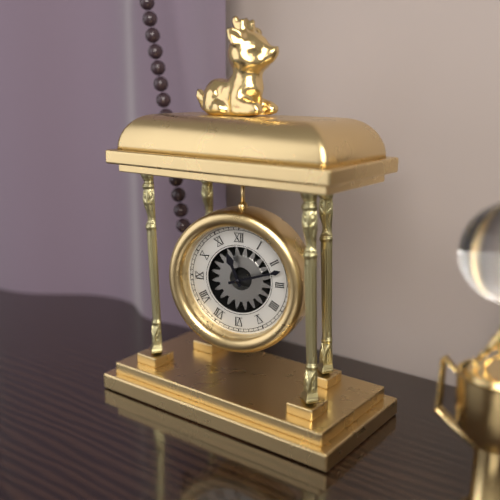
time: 11:12
